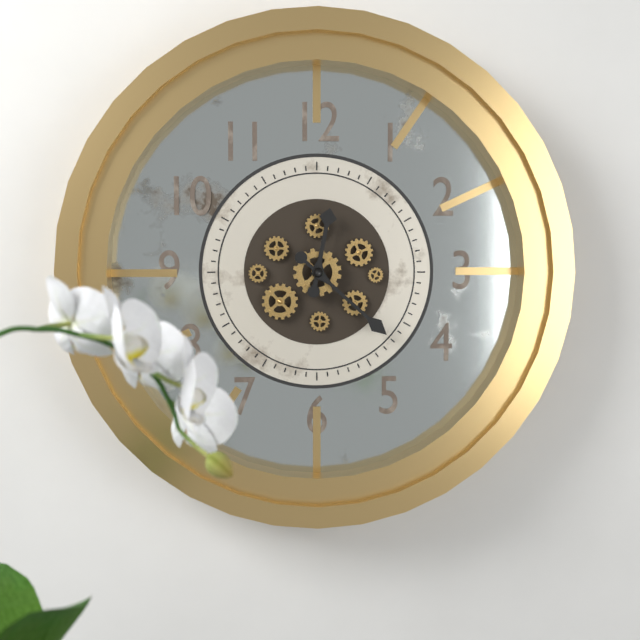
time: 12:22
